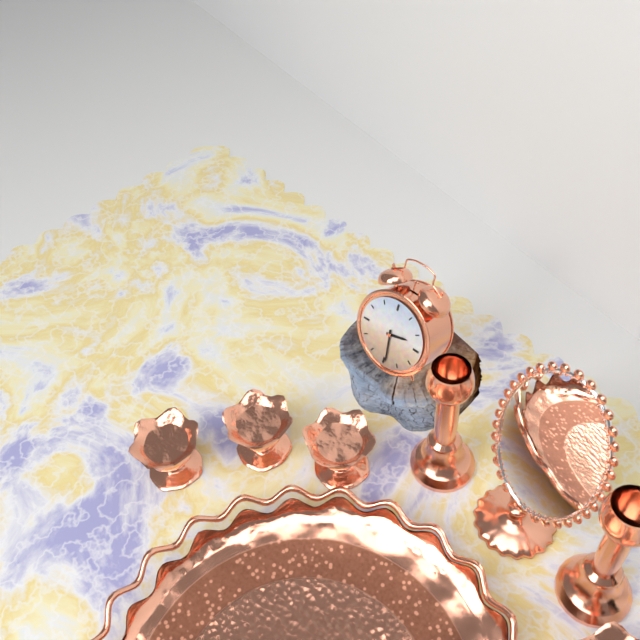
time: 2:29
